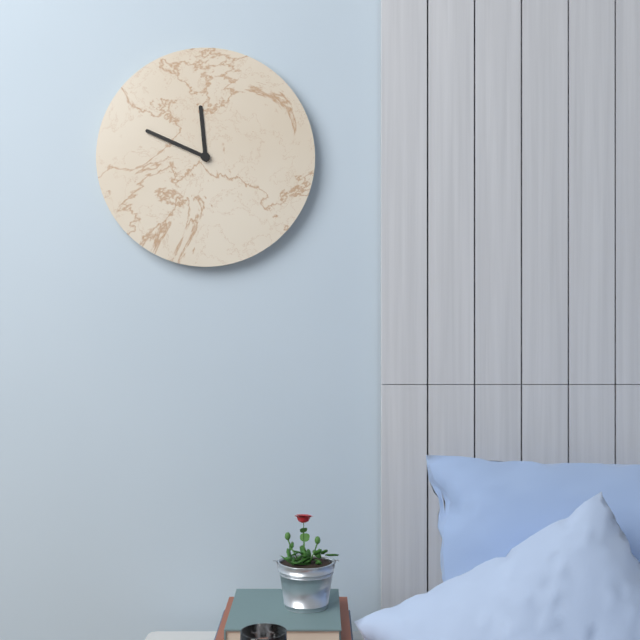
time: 11:49
